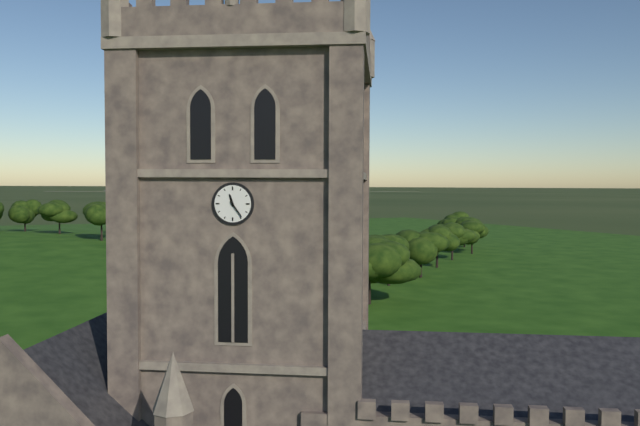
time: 11:24
